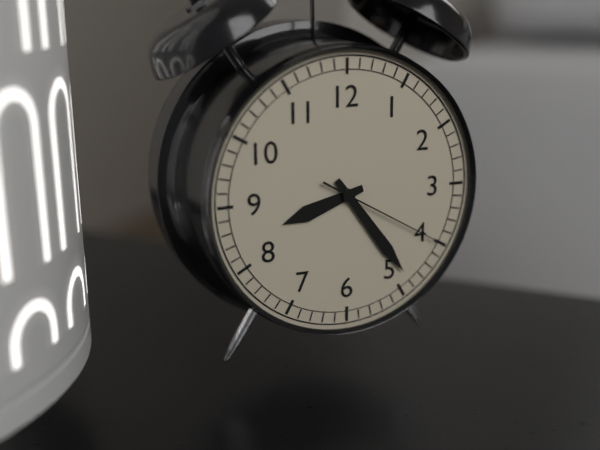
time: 8:24:20
